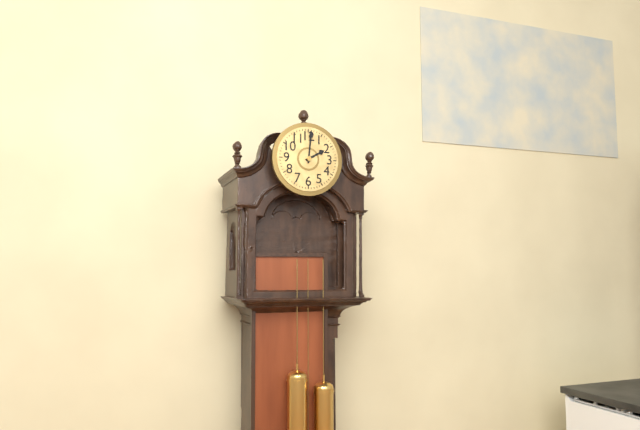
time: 2:01
